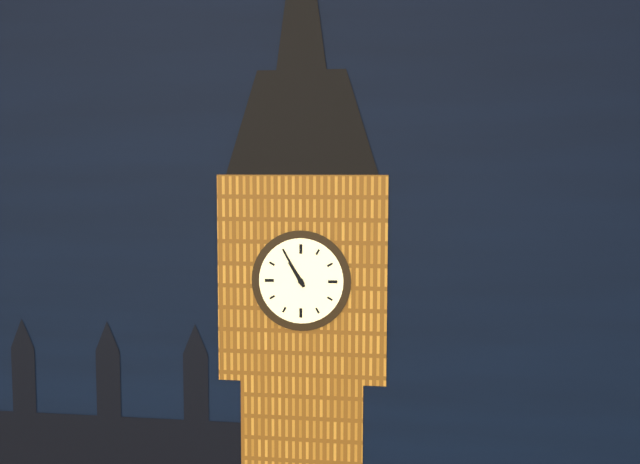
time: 10:55
